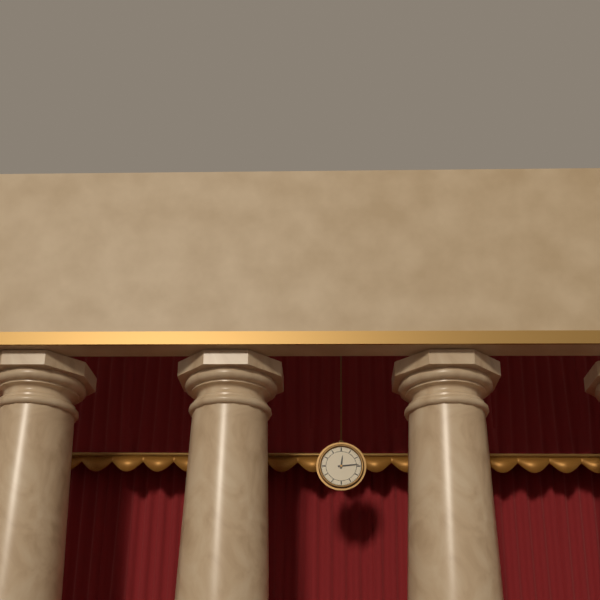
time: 12:14
